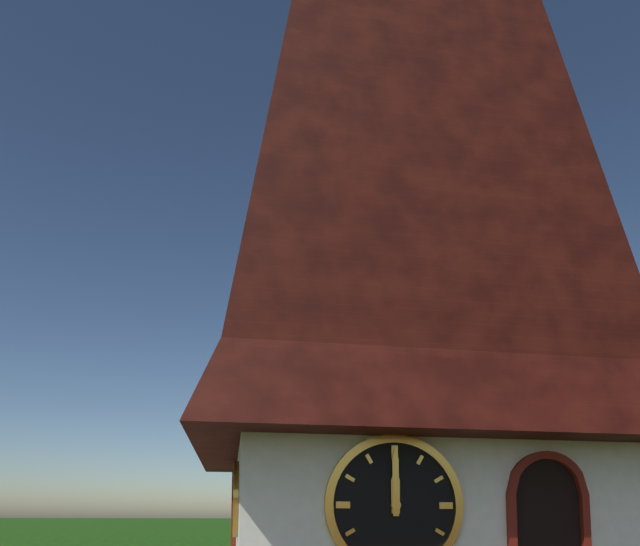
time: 12:00
